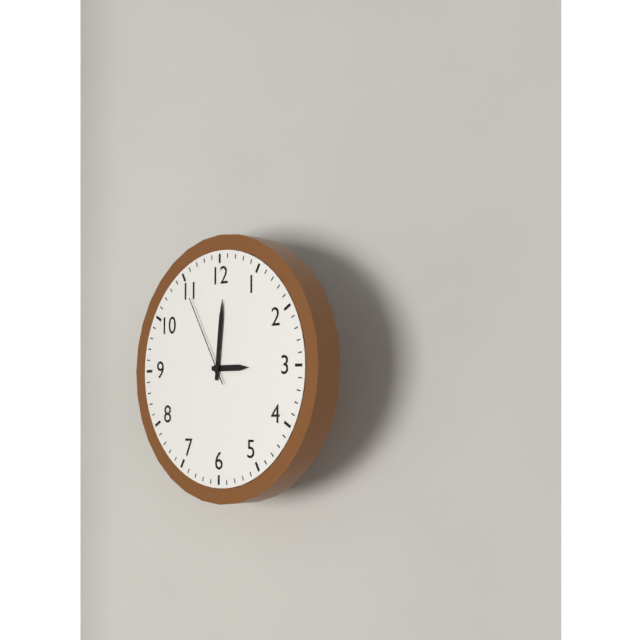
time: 3:01:55
